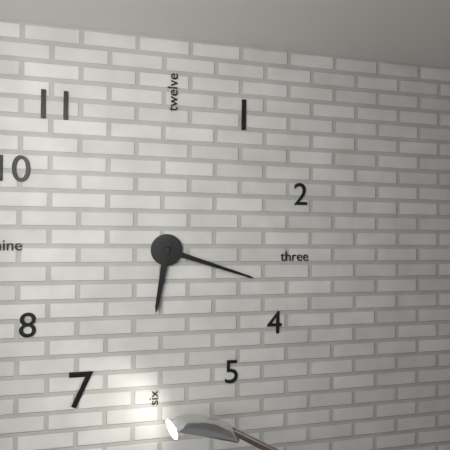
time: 6:18
